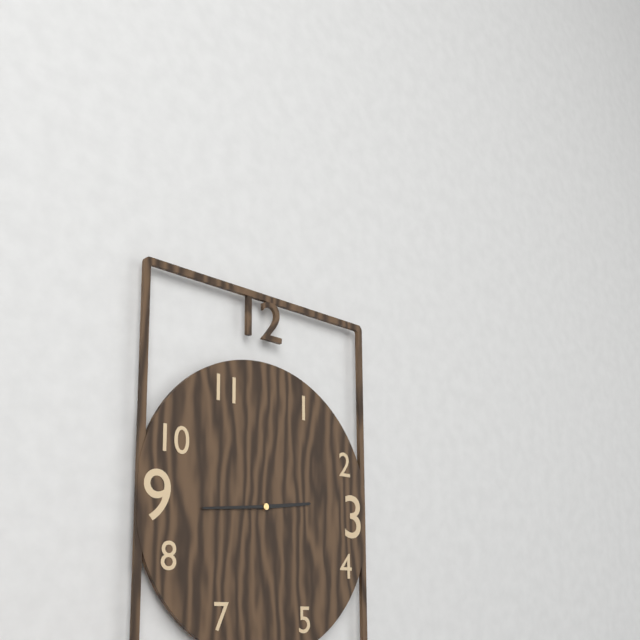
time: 2:44
